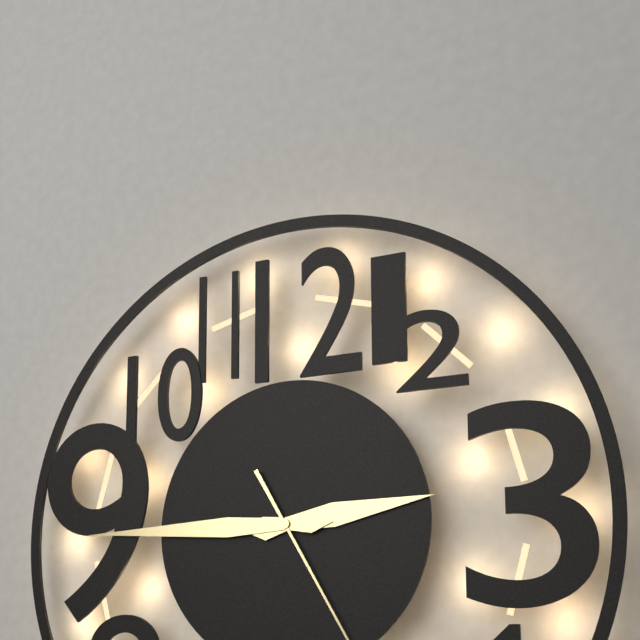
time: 2:45
